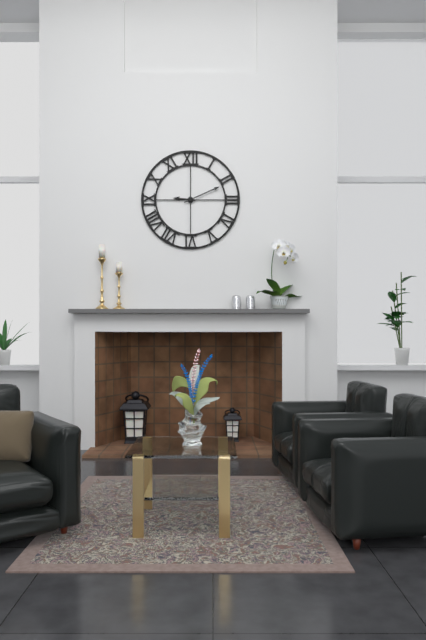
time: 9:11
